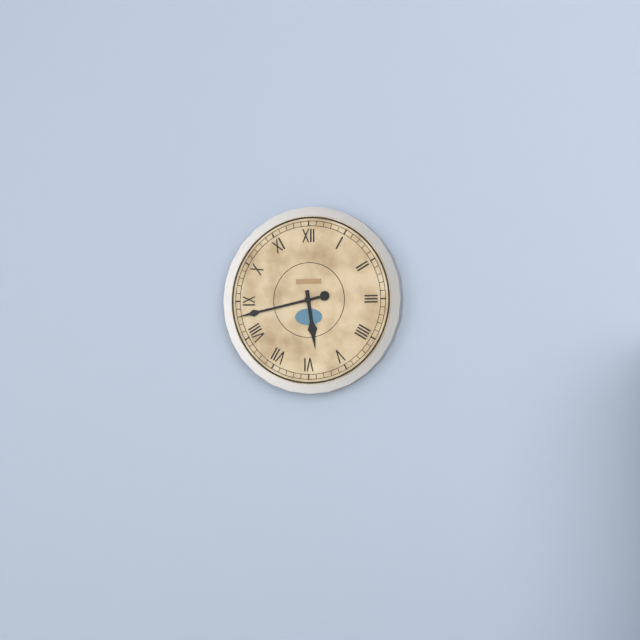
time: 5:43
